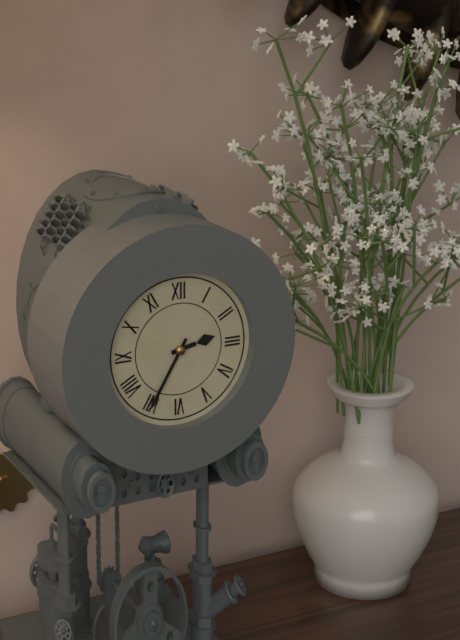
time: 2:35
